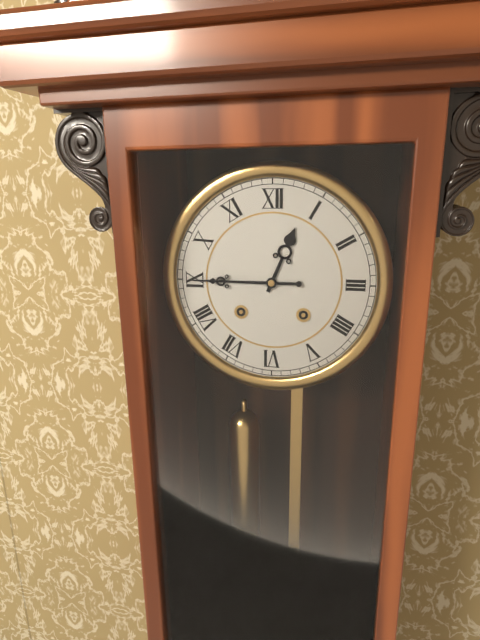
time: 12:45
